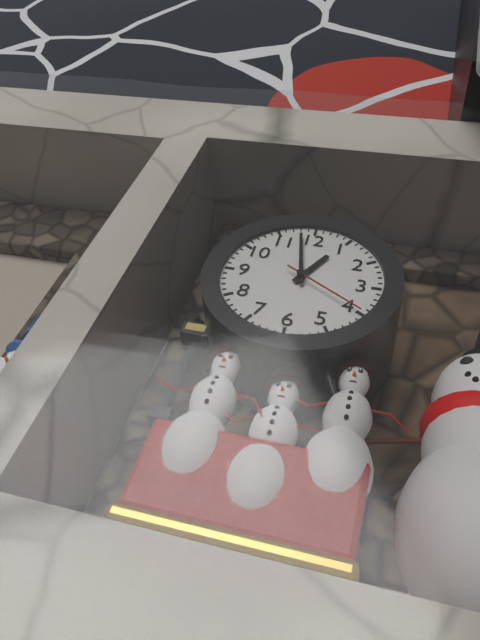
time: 12:58:20
